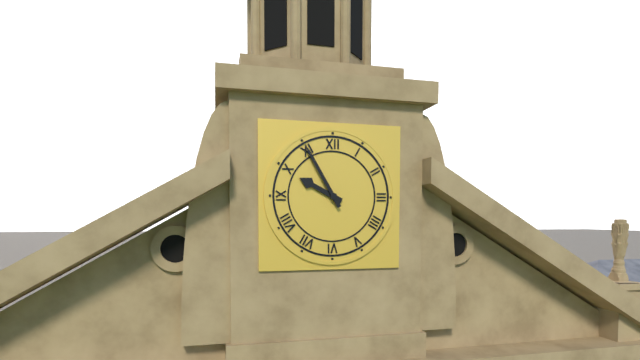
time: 9:55
